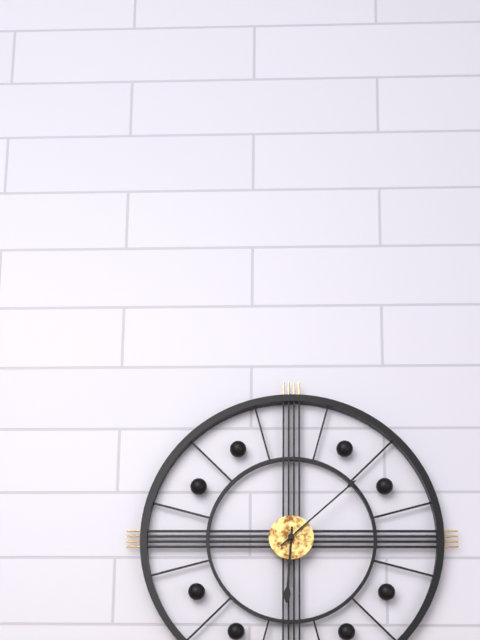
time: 6:08
